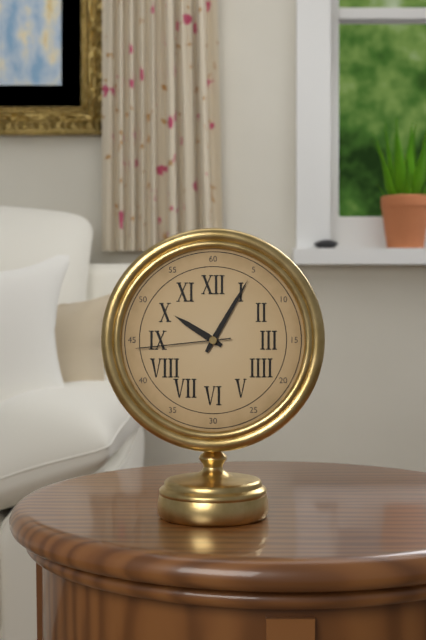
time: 10:05:44
